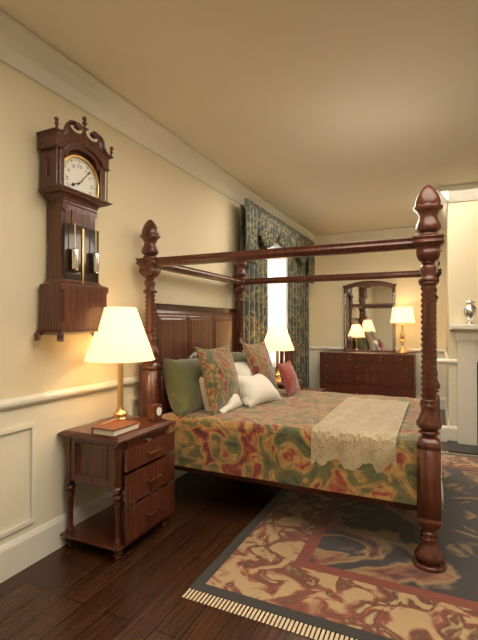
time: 8:07
